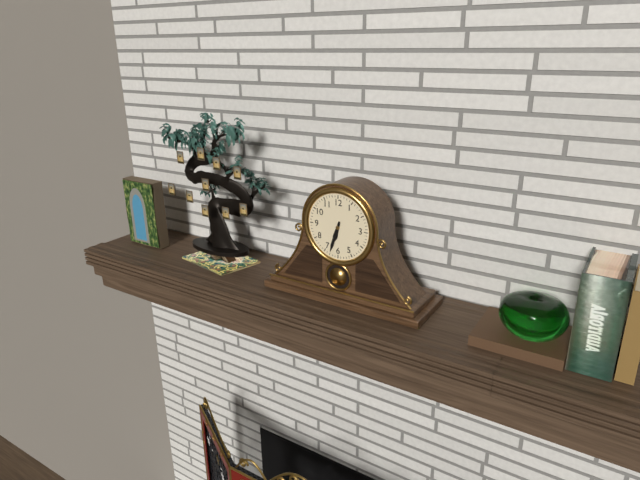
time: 6:33
